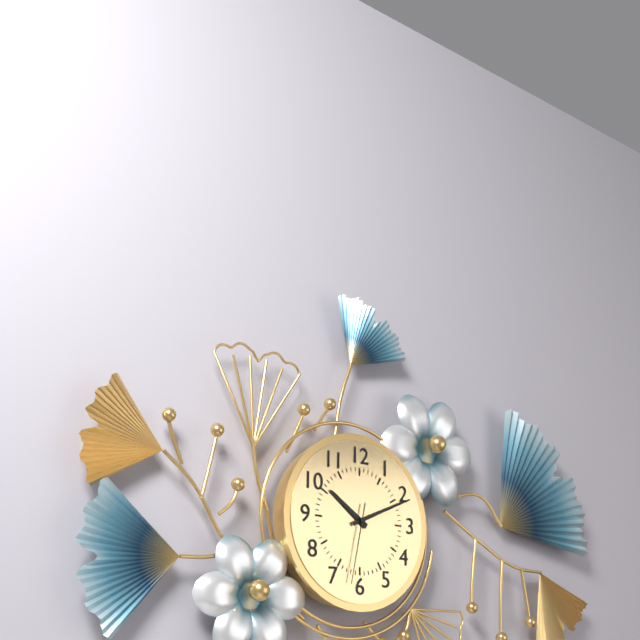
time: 10:11:32
